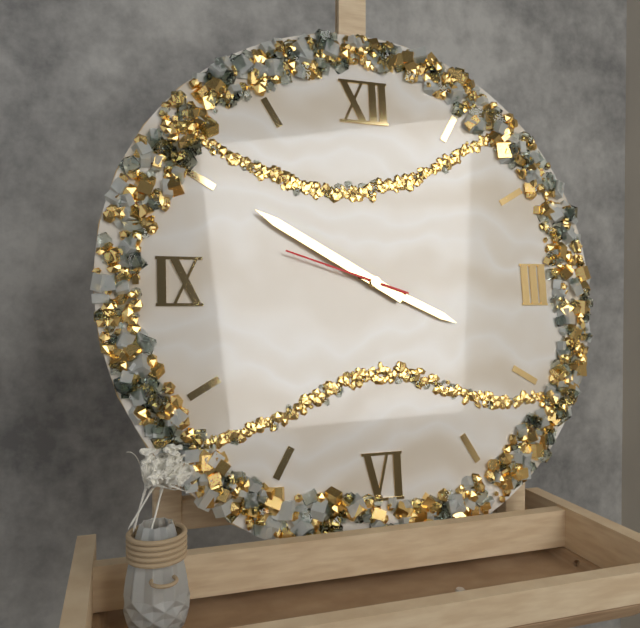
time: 3:50:48
